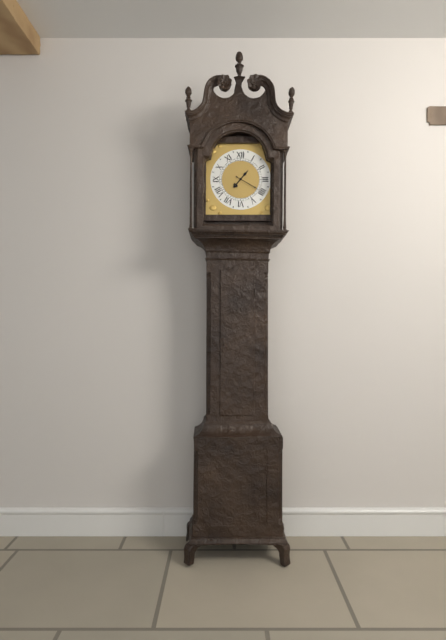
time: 1:20
